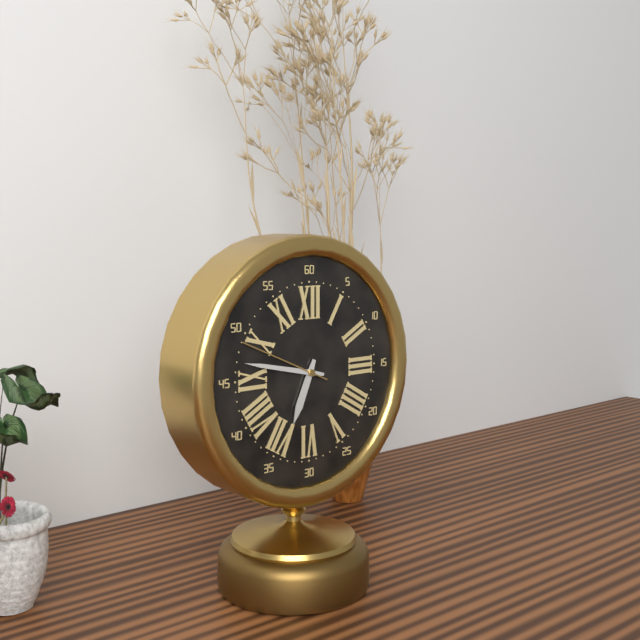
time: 6:47:49
